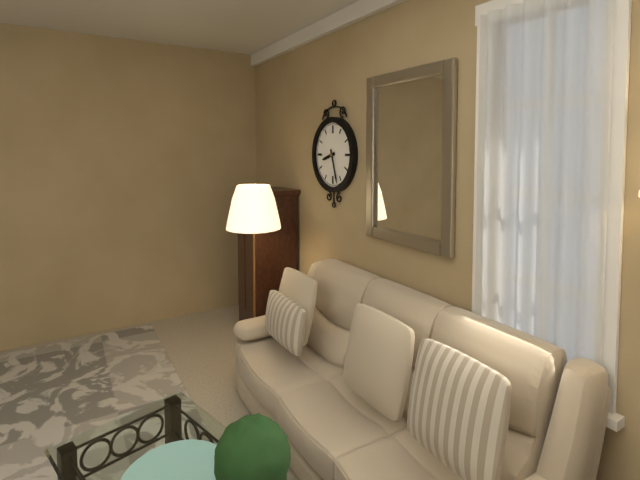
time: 8:27
